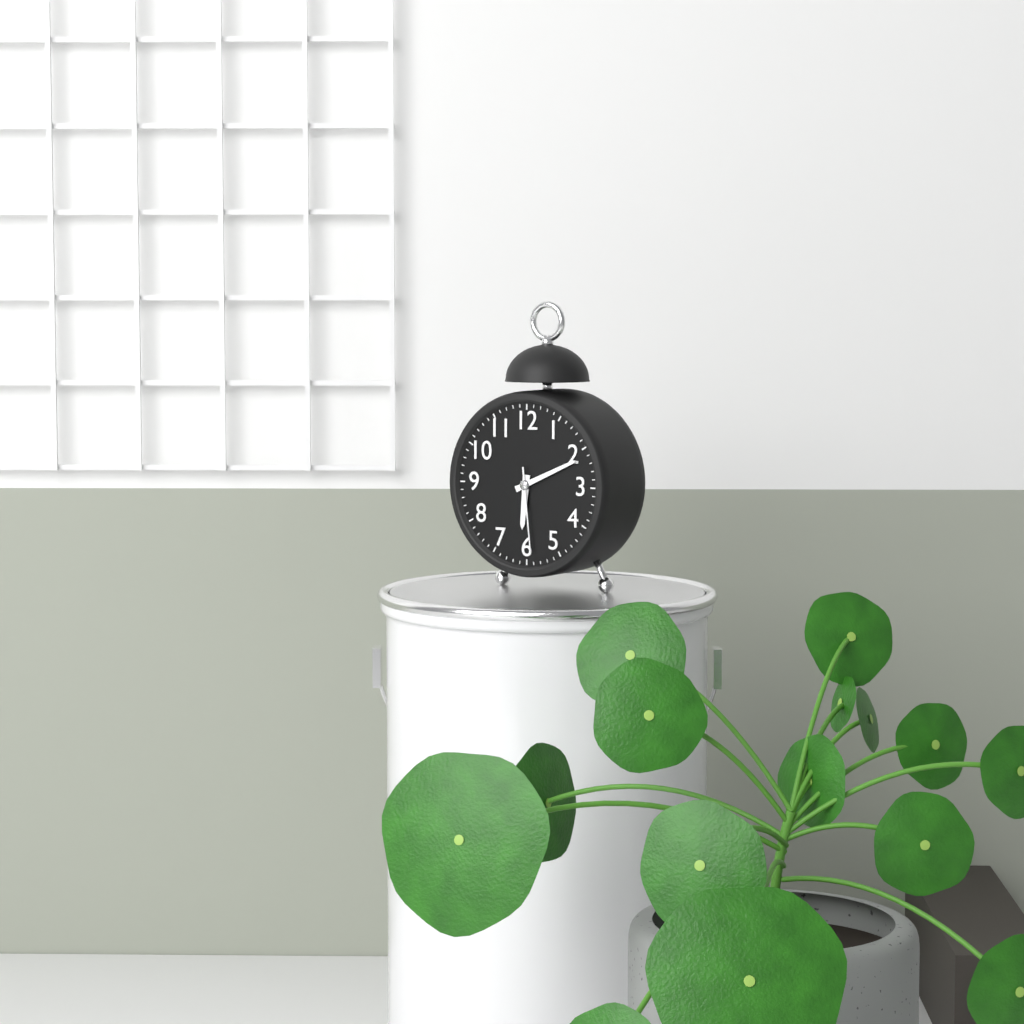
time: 6:11:29
